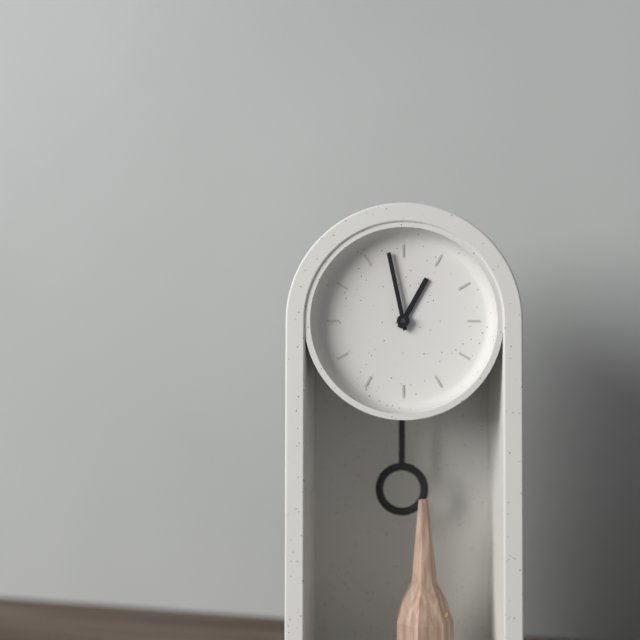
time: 12:58
